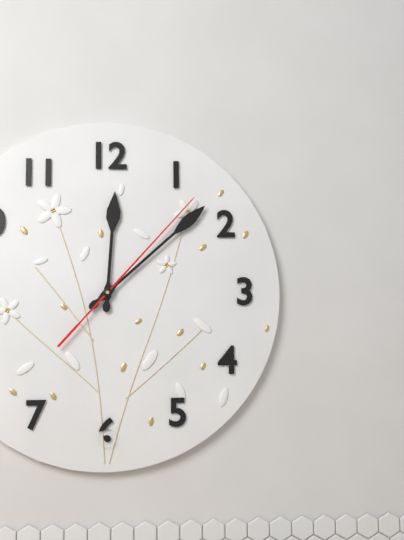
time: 12:08:07
